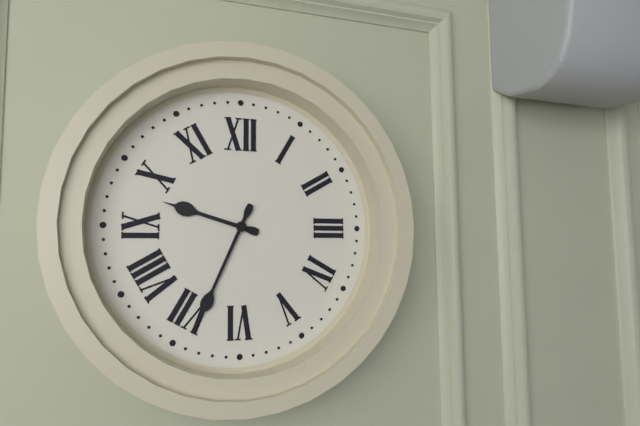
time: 9:34
